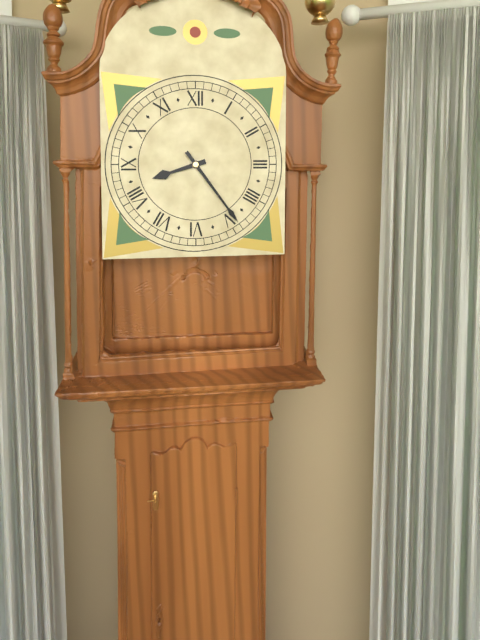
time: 8:24
